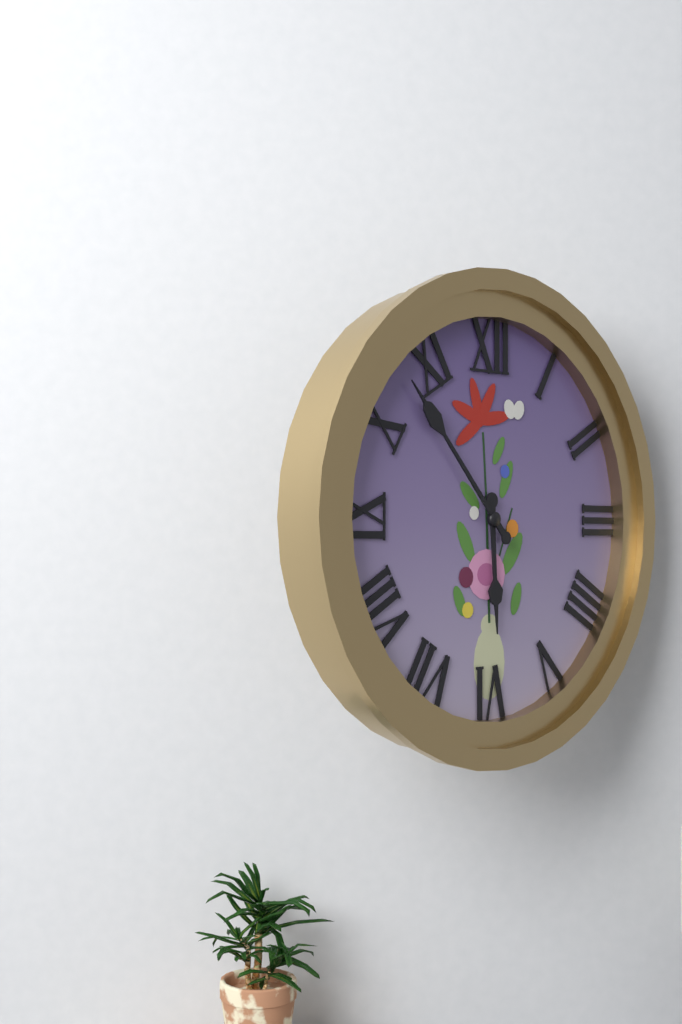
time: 5:53
